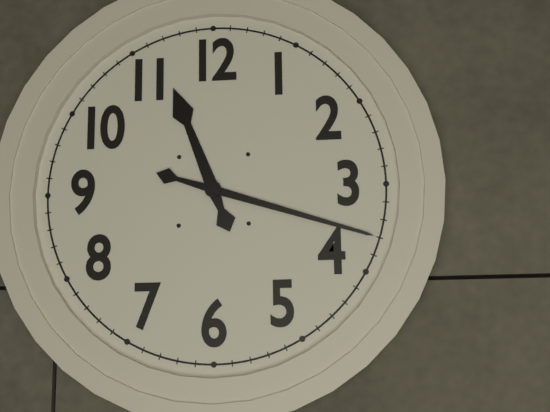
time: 11:18
